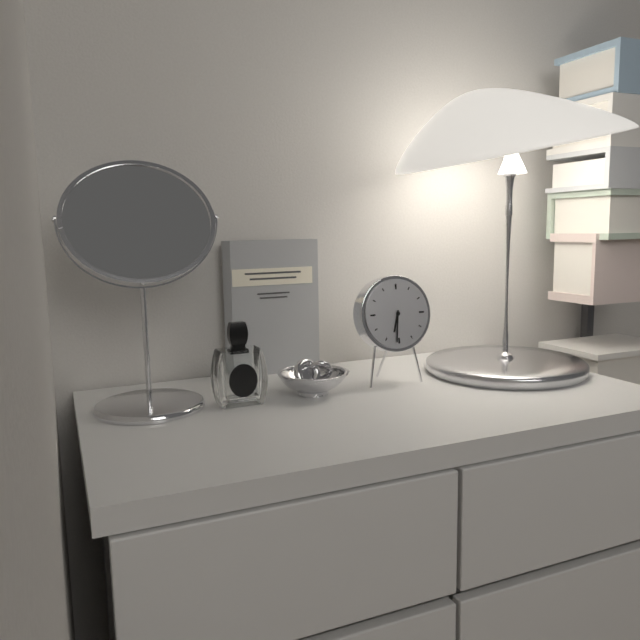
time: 6:31
